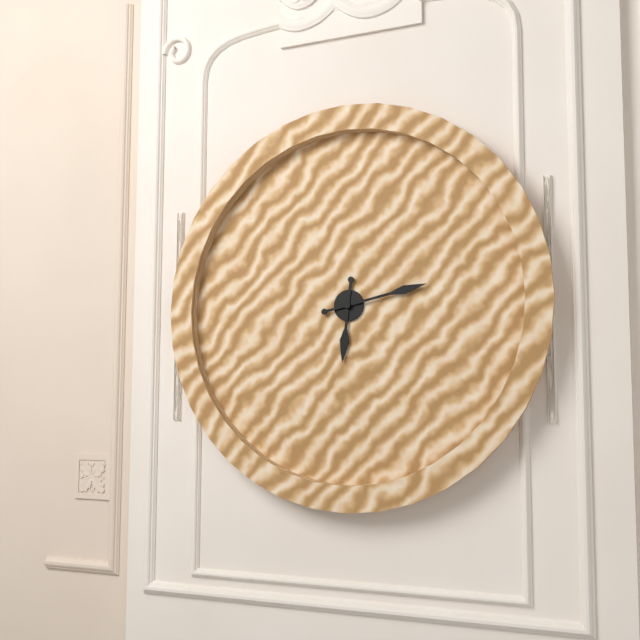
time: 6:13
